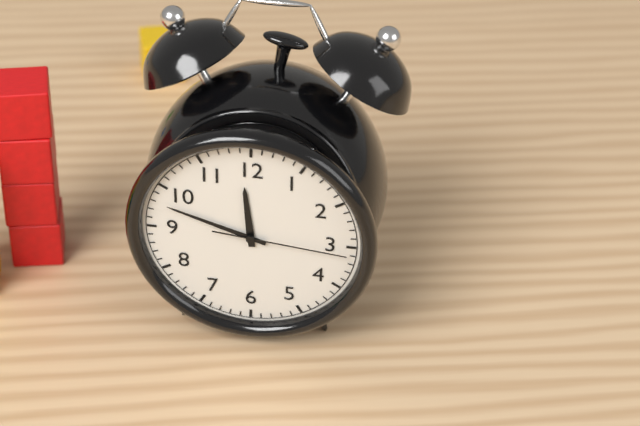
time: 11:48:16
